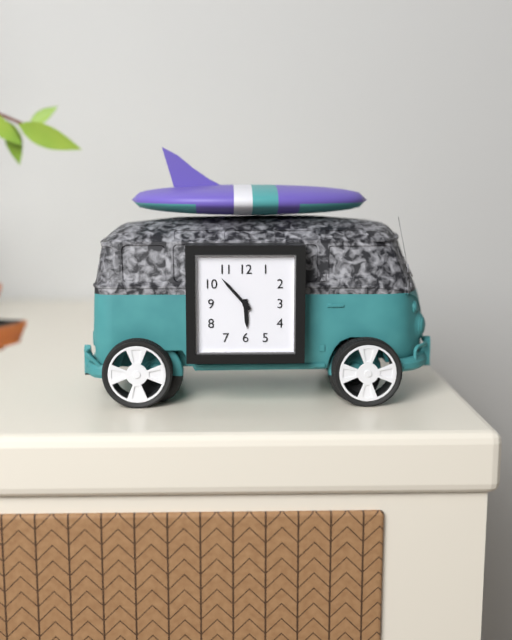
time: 5:53
